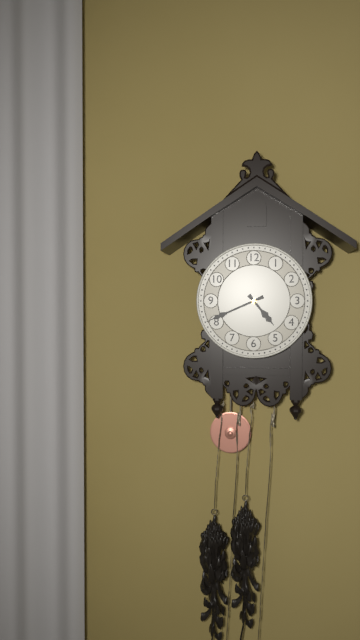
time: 4:41
